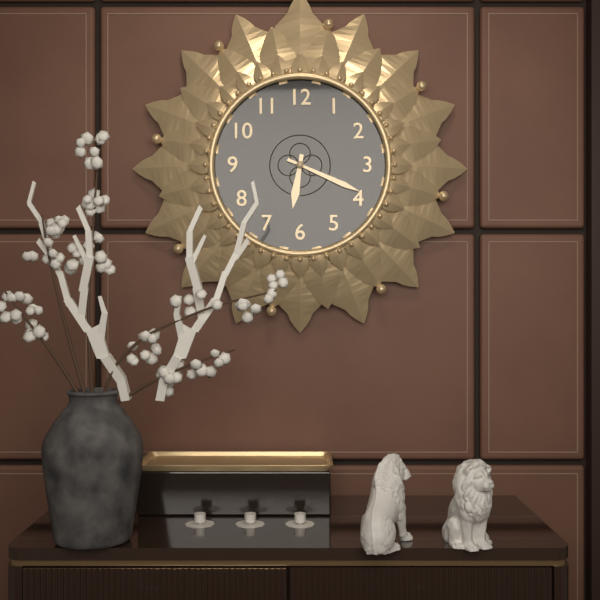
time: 6:19
